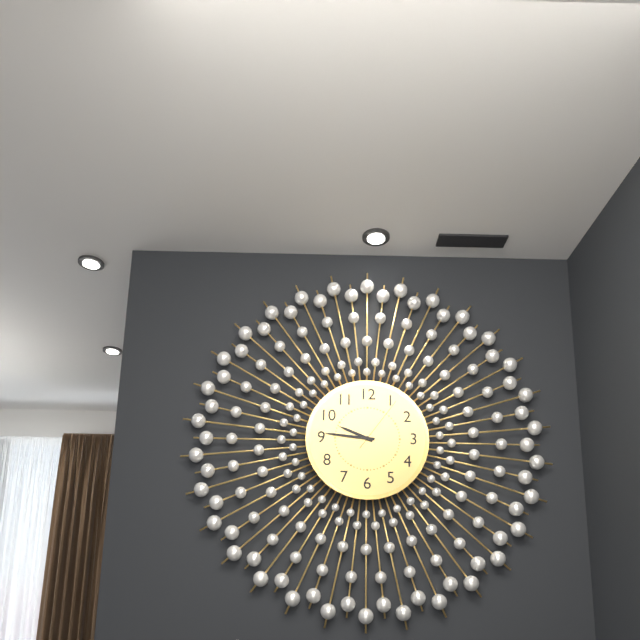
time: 9:46:06
